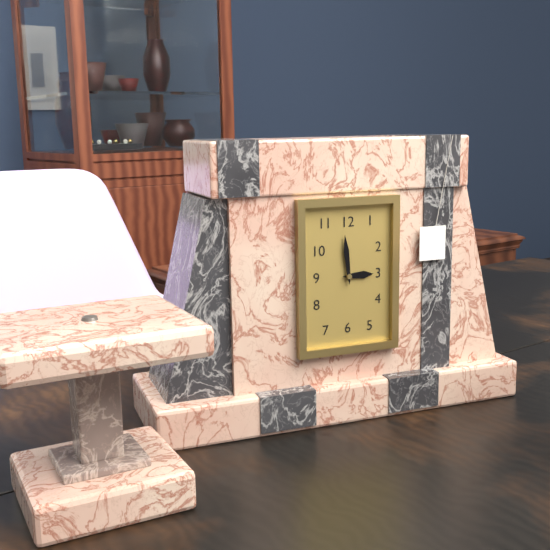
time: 2:59
